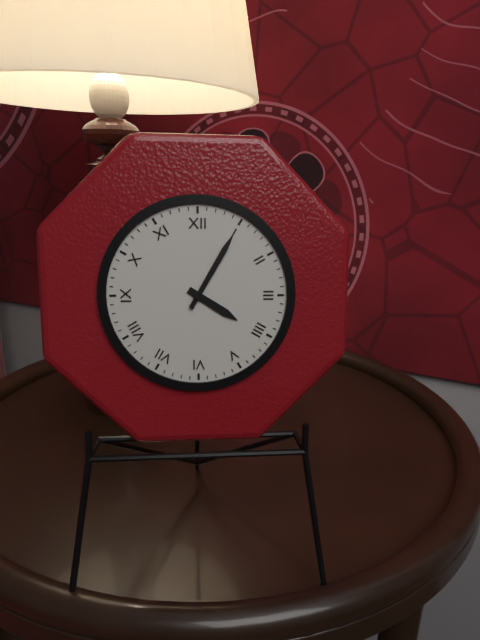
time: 4:05
